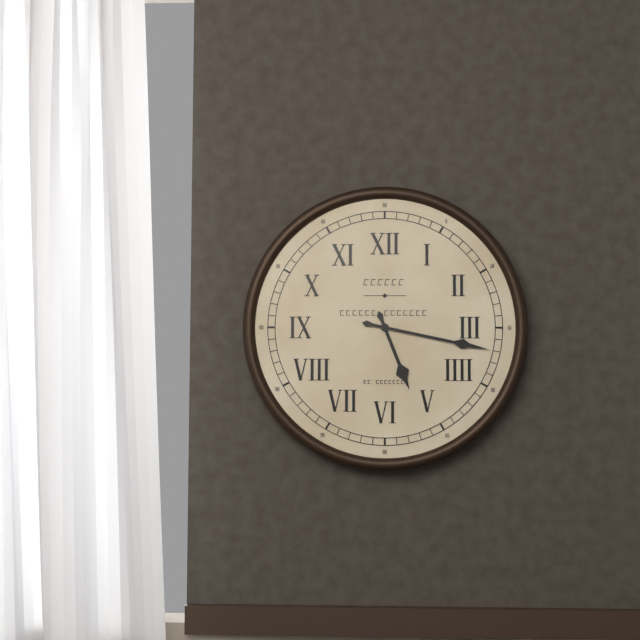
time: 5:17
